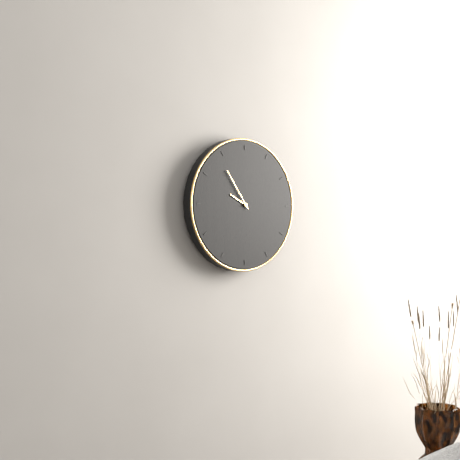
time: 9:54
